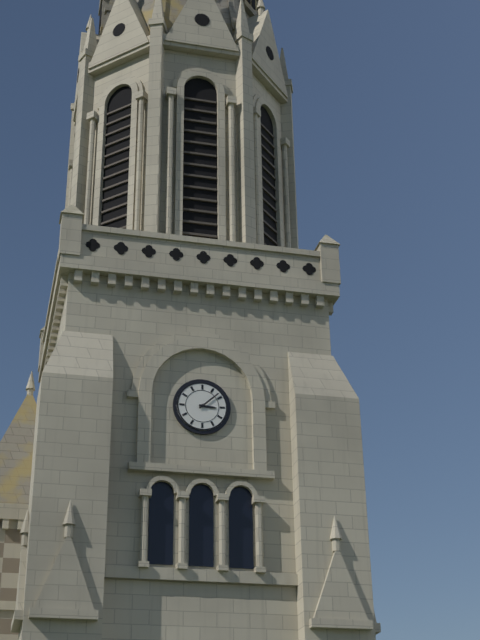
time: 3:08
